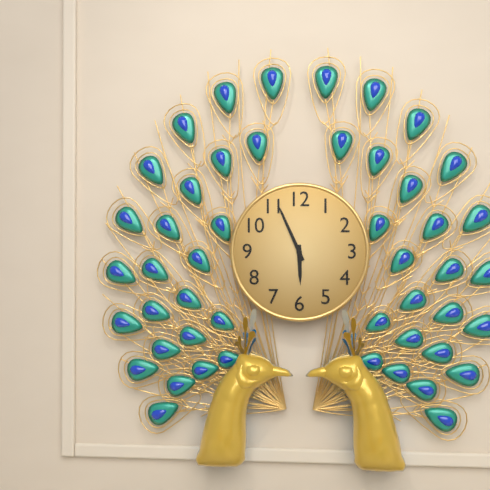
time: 5:56
